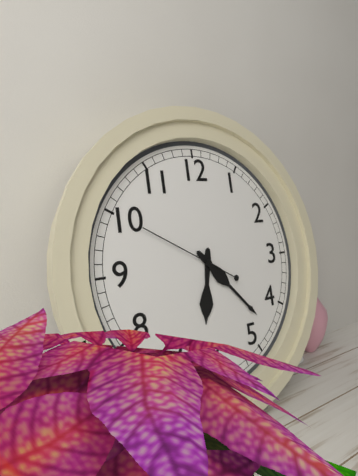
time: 6:23:50
